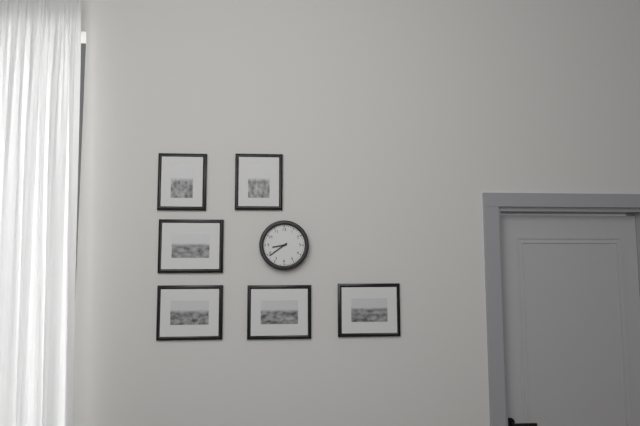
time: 8:39
